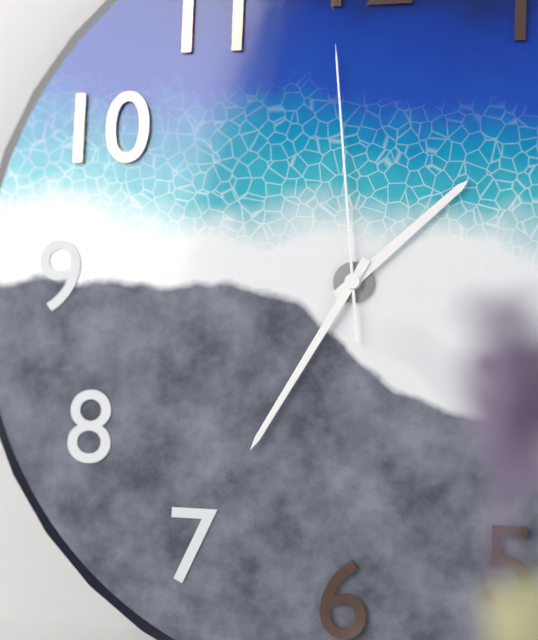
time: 1:35:59
